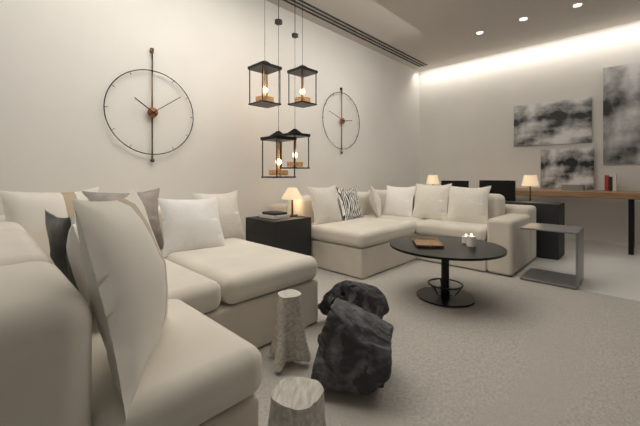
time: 10:09
